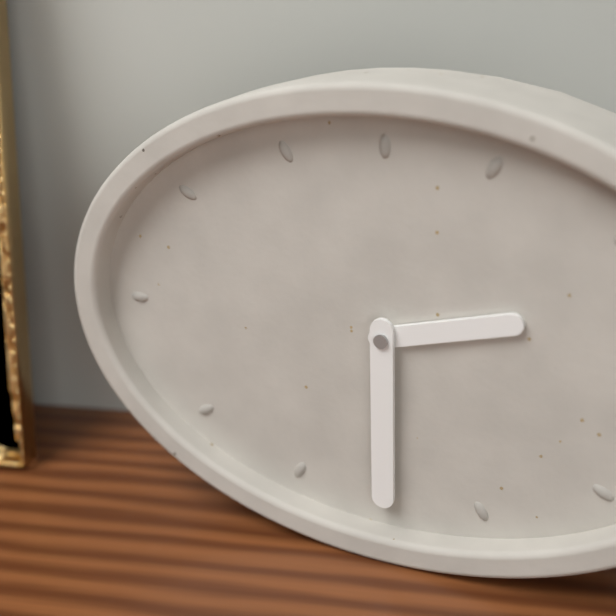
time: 2:30
